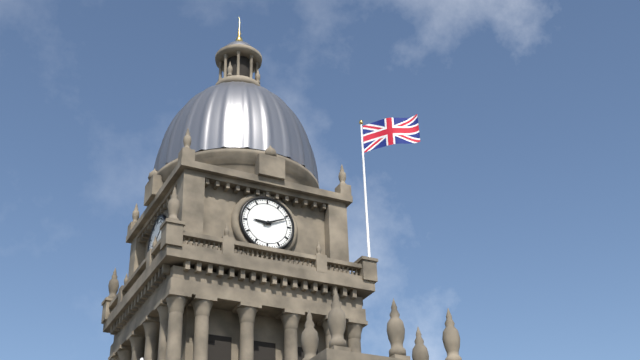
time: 9:11
